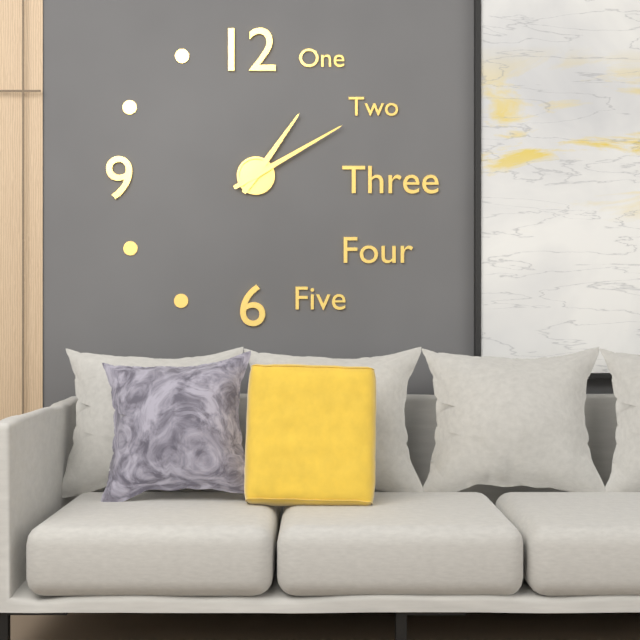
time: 1:10
